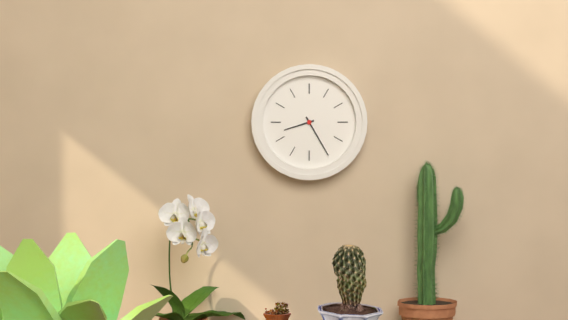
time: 8:25
